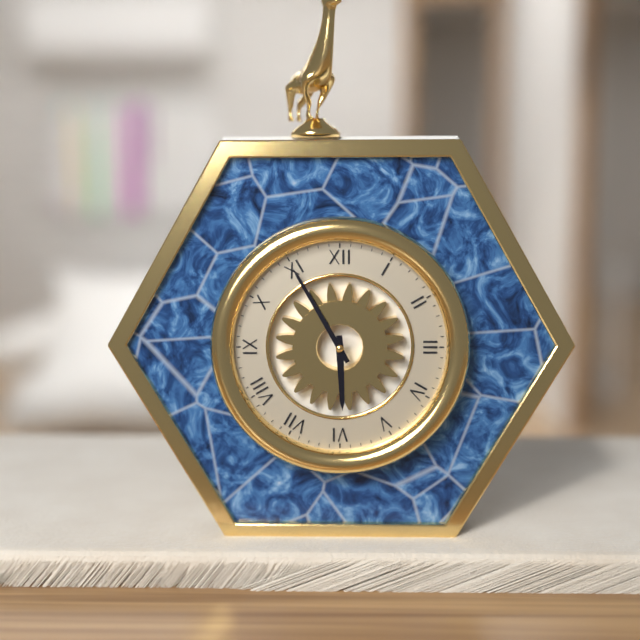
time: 5:55
